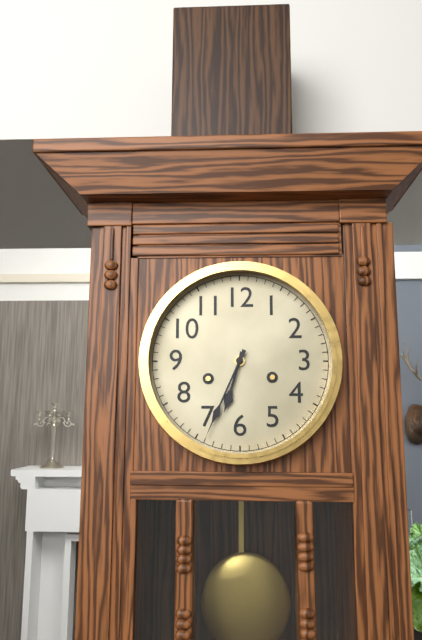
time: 6:34
